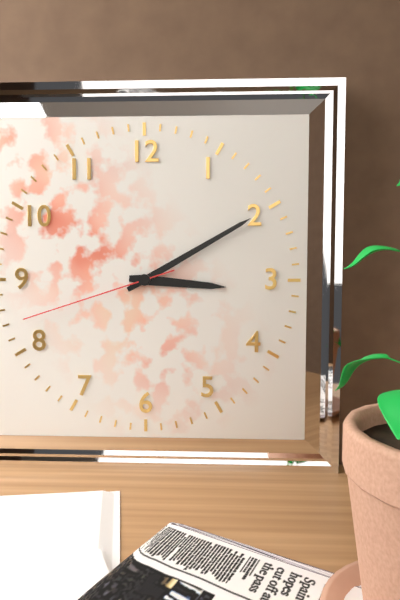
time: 3:10:42
